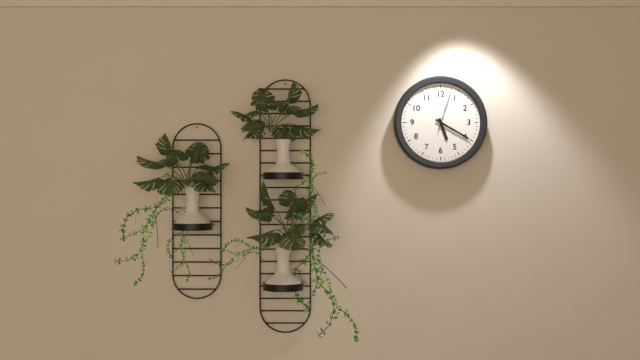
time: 5:20
